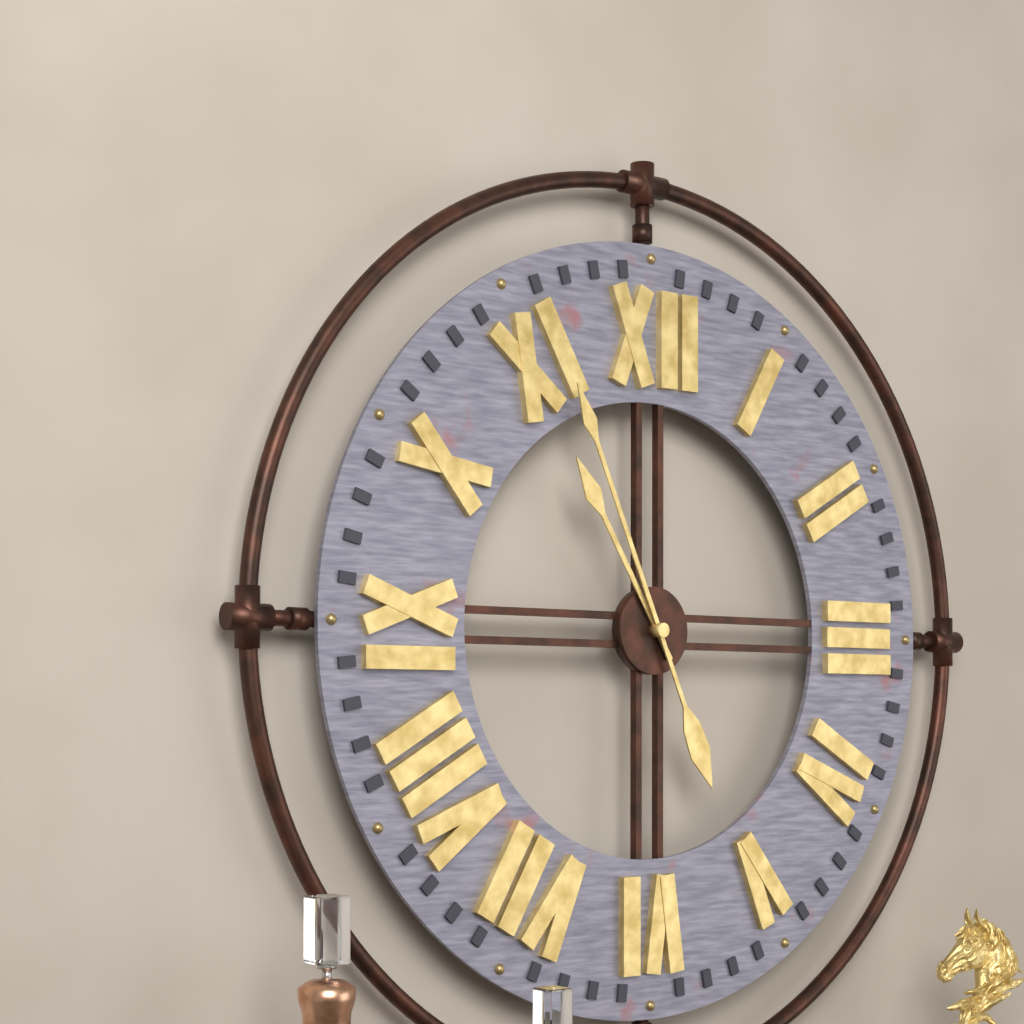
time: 10:56
